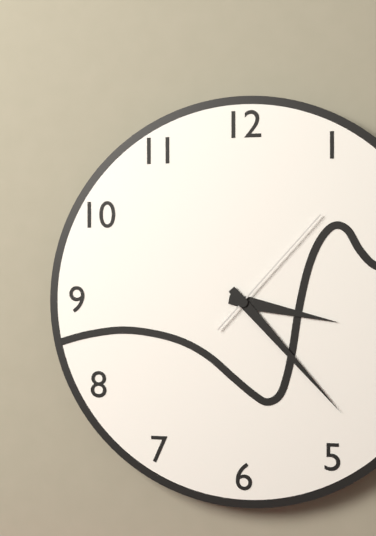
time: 3:23:07
